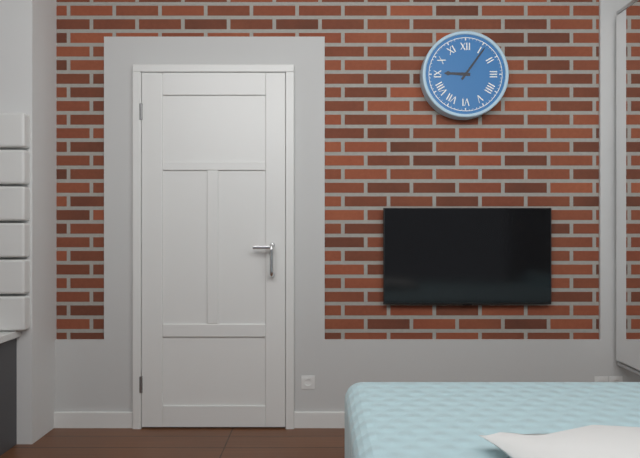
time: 9:06
